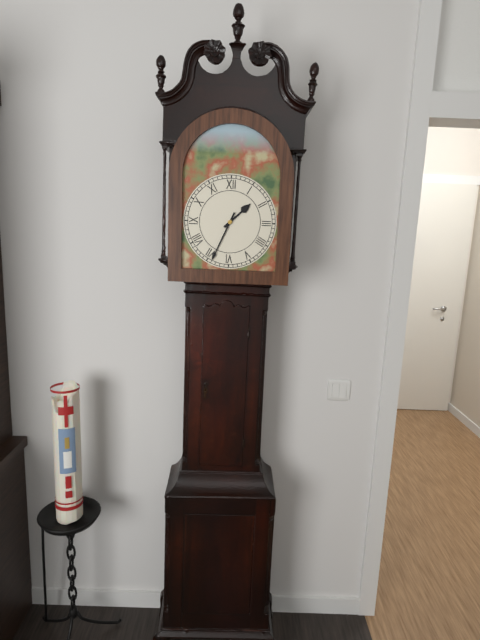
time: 1:34
